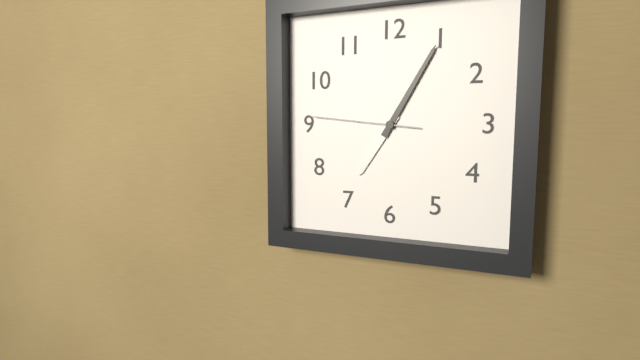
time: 7:05:46
